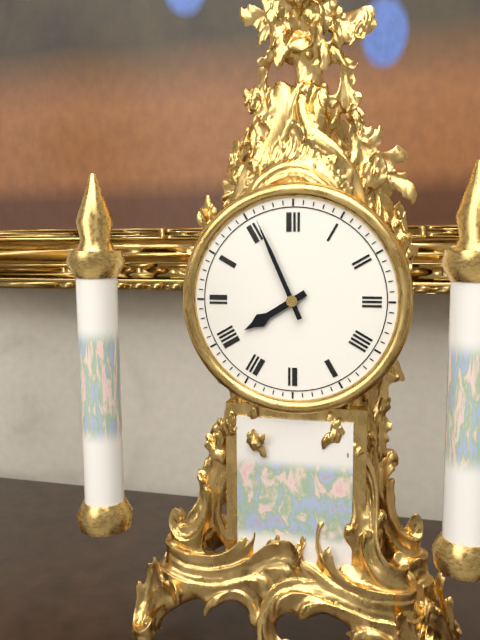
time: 7:56
